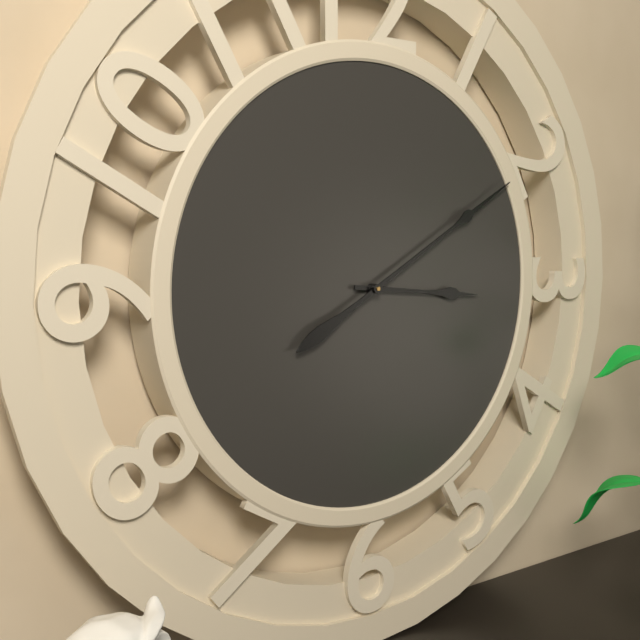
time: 3:10
